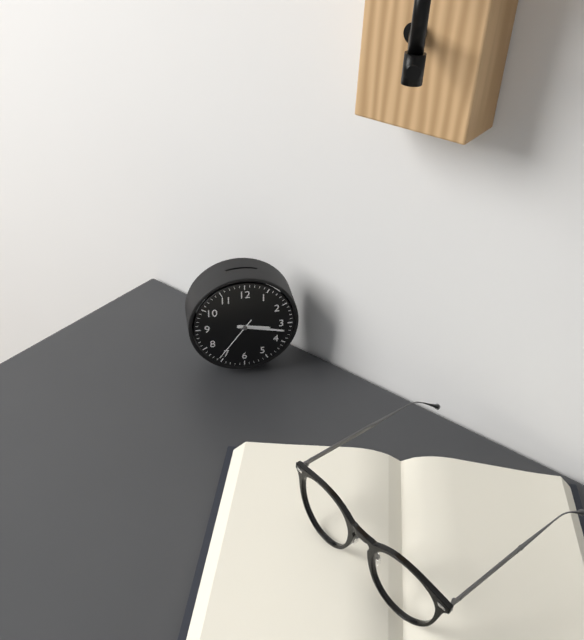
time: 3:17
